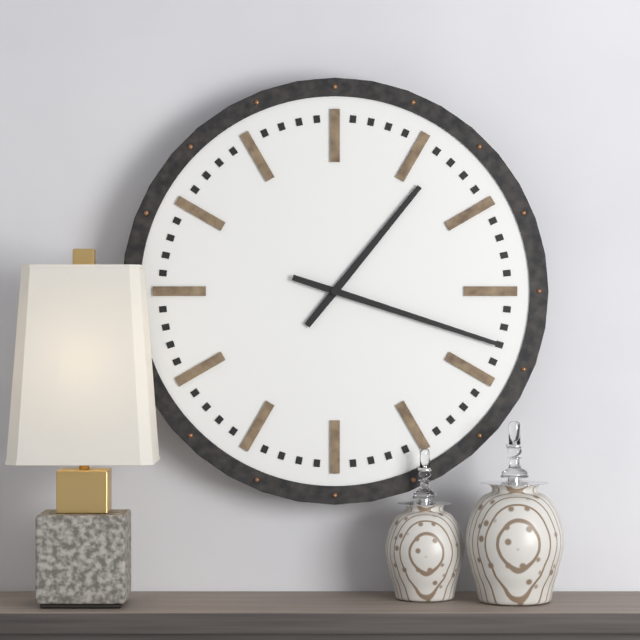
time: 1:18
